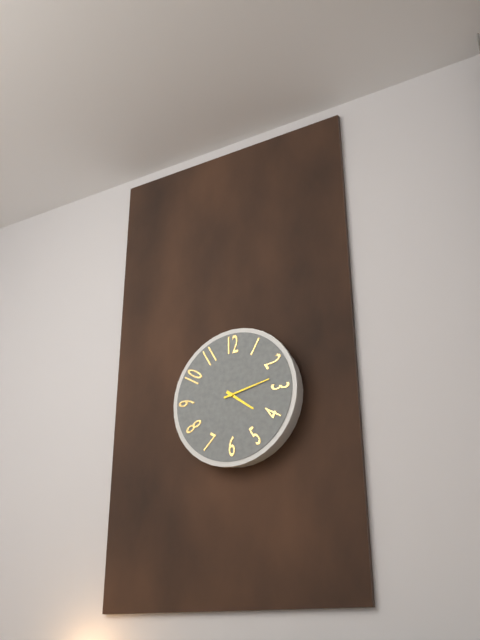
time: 4:13
